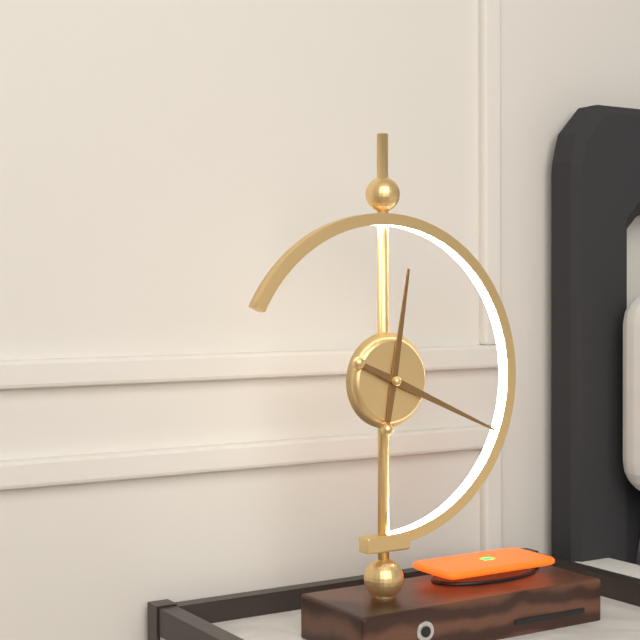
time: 12:19
